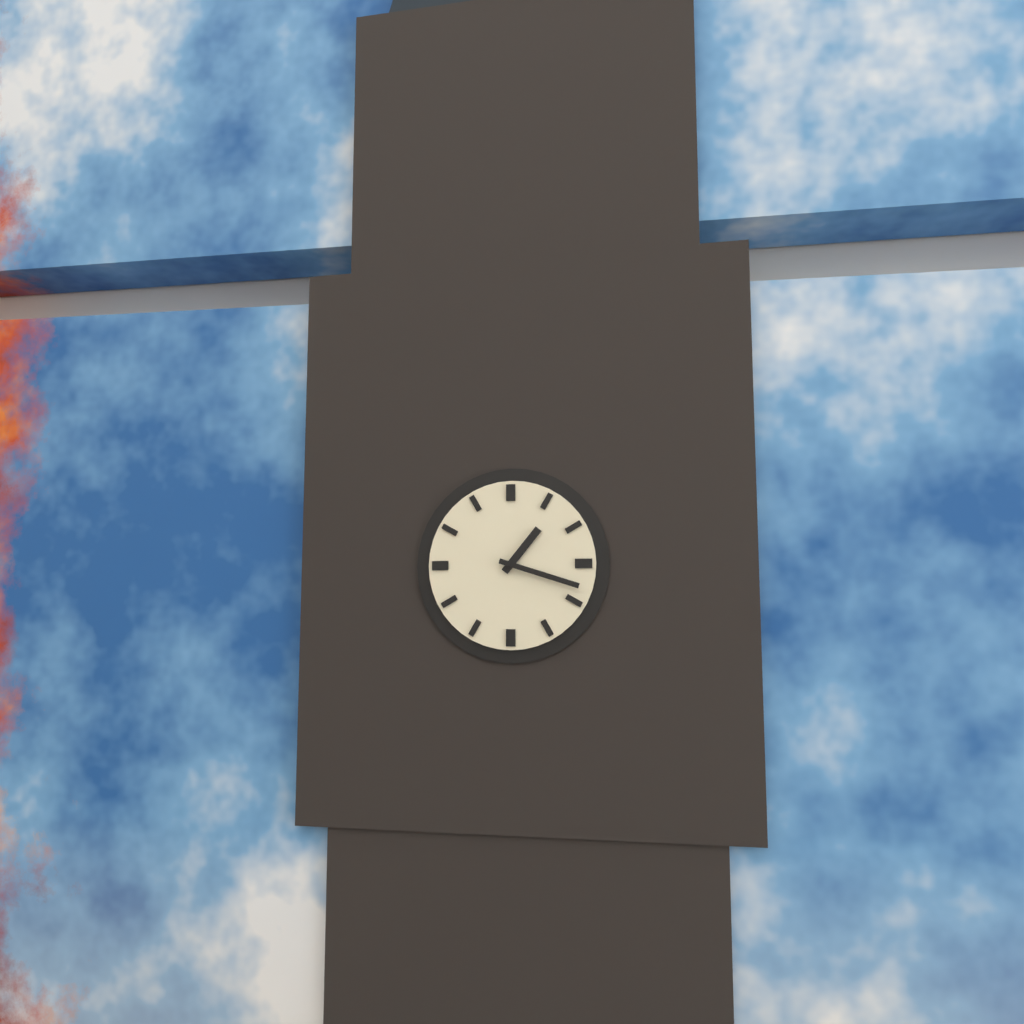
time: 1:18
